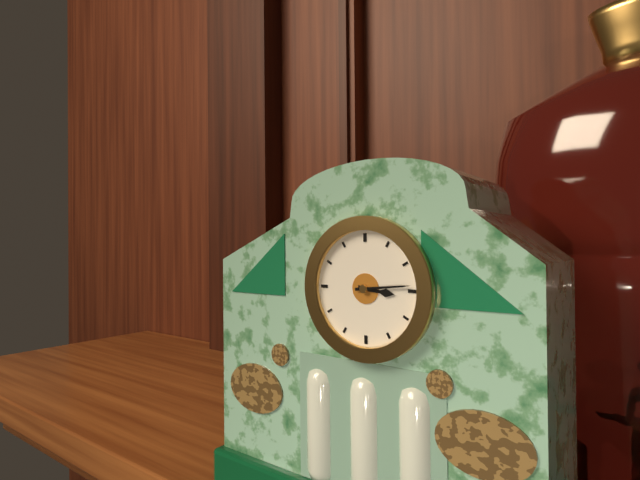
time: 3:14
